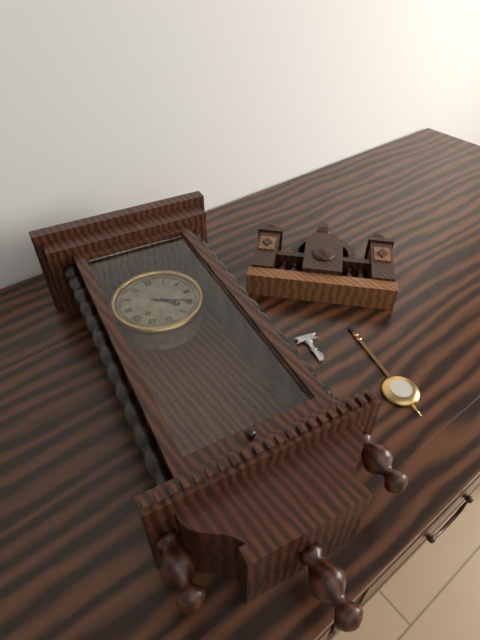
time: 4:20
